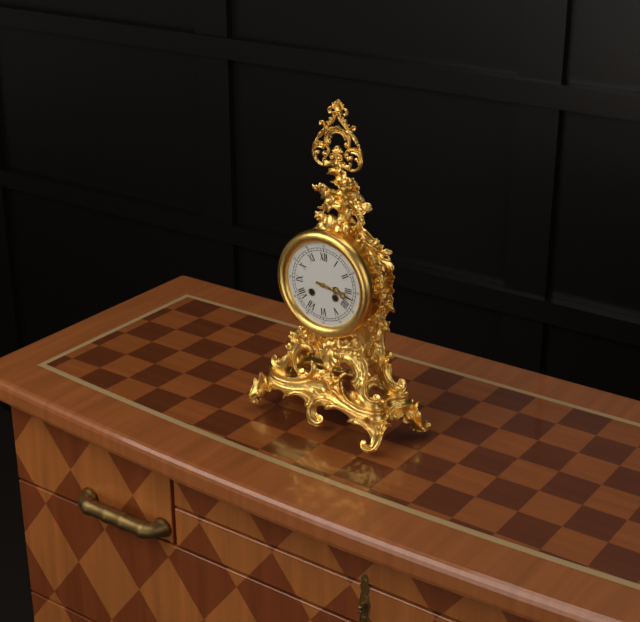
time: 3:17
